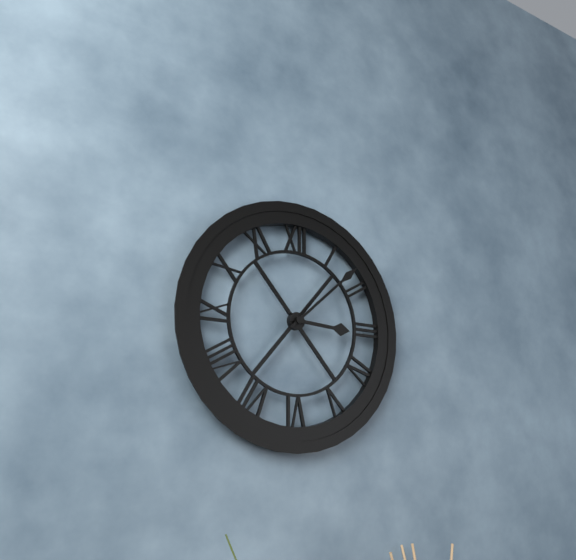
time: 3:08
